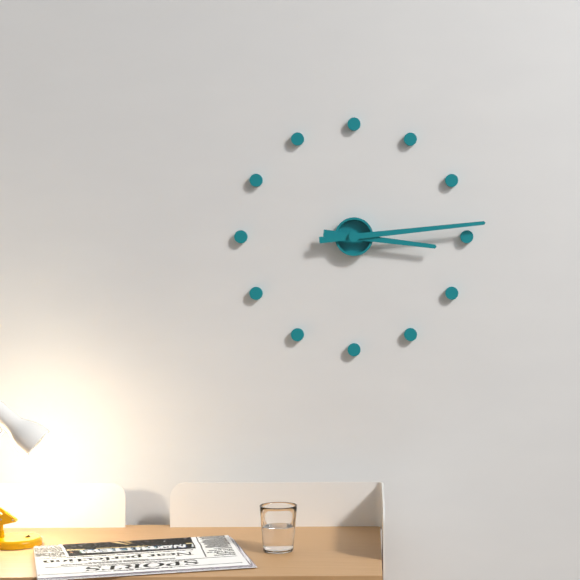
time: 3:14
